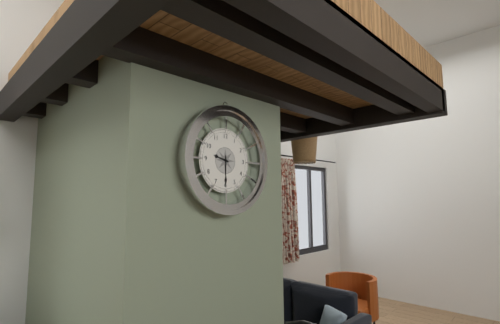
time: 9:30
